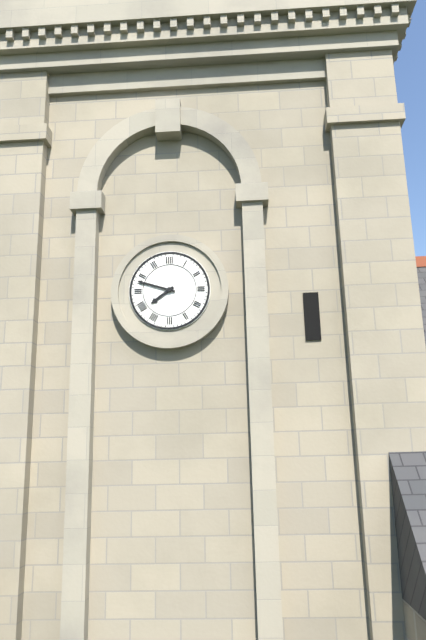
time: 7:48
